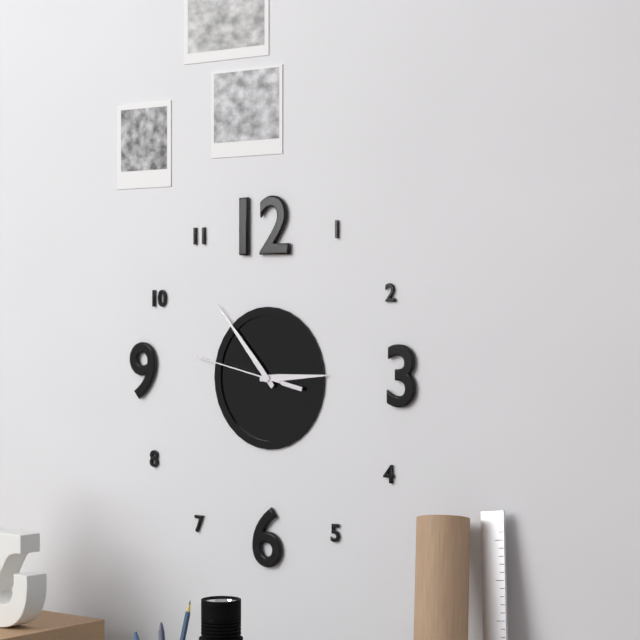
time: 2:53:47
